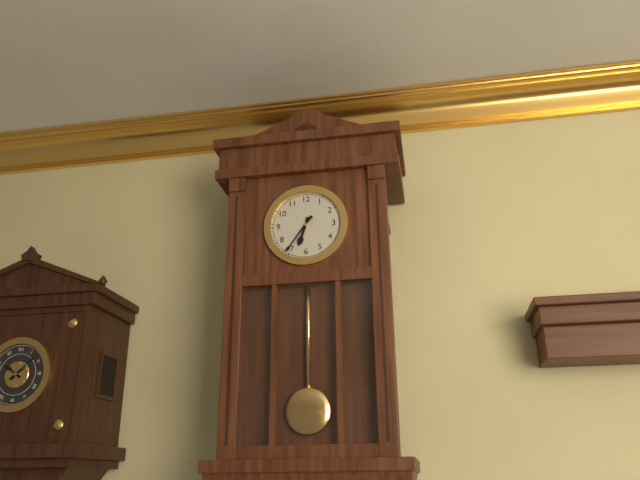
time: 6:36
